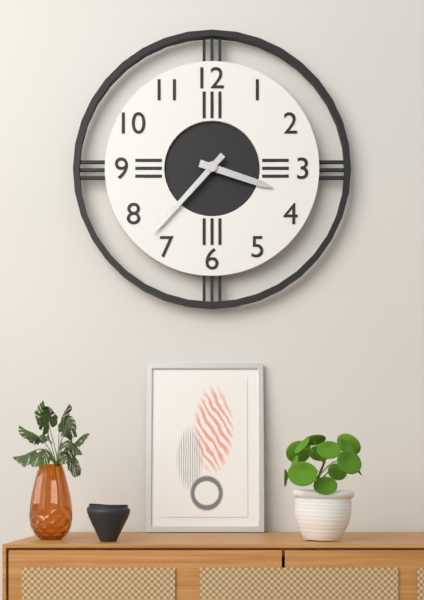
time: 3:37
